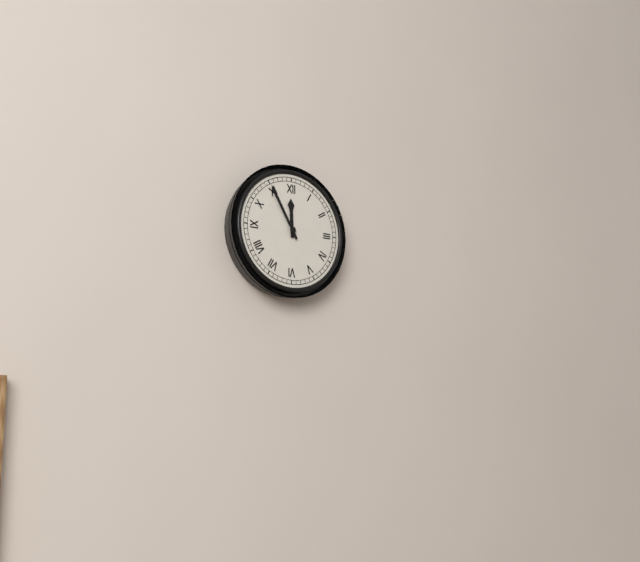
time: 11:55
